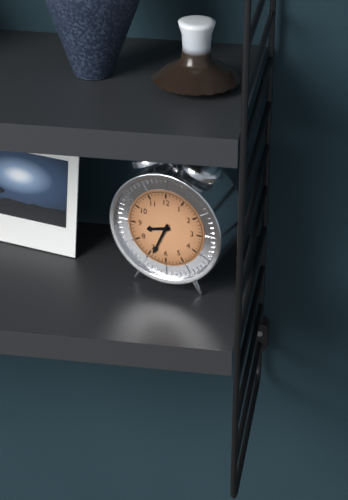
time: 8:34
